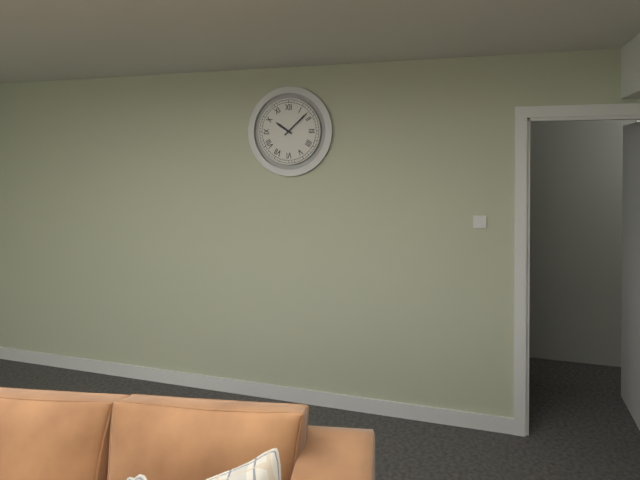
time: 10:08
